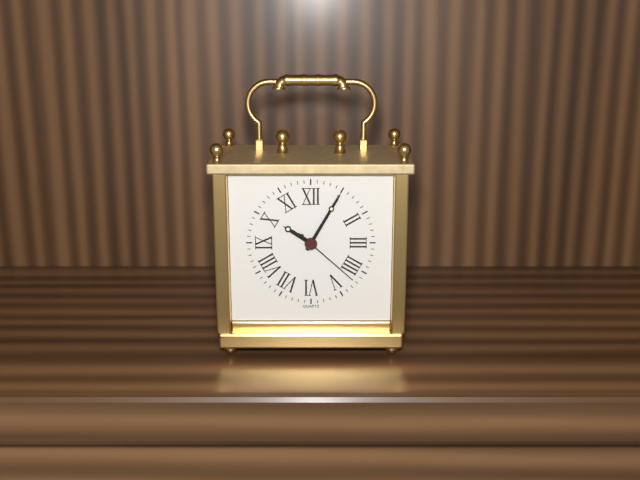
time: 10:05:22
